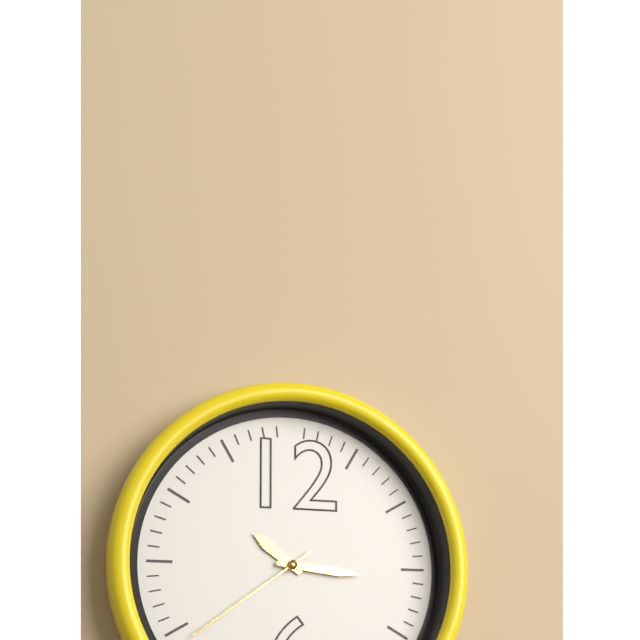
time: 10:16:39
